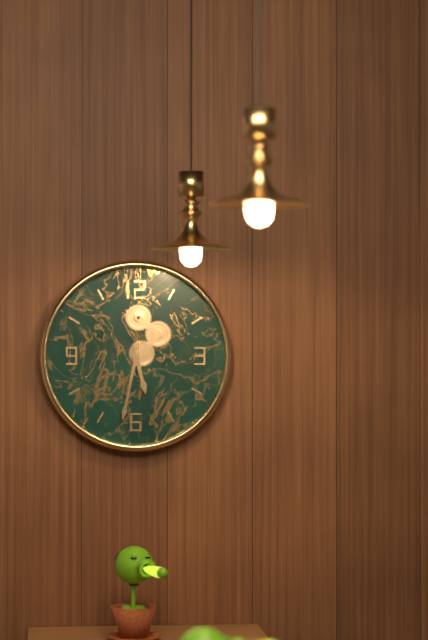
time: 5:32
